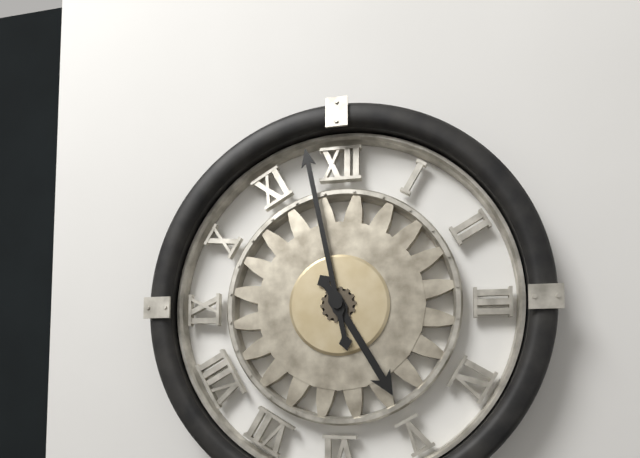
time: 4:58
